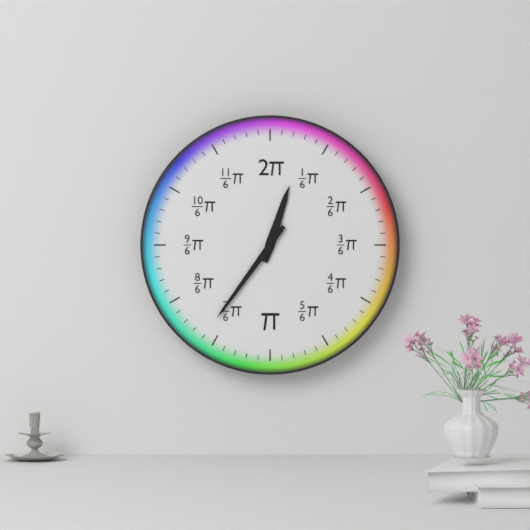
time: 12:36
